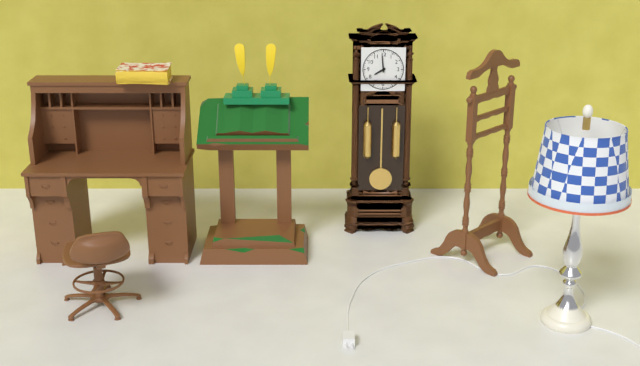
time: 7:59
